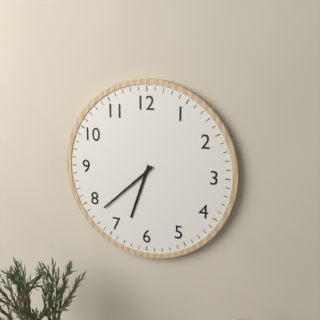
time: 6:38
